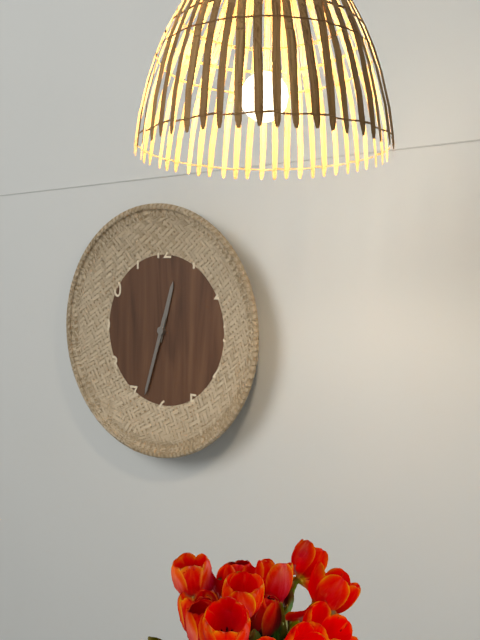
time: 12:33
